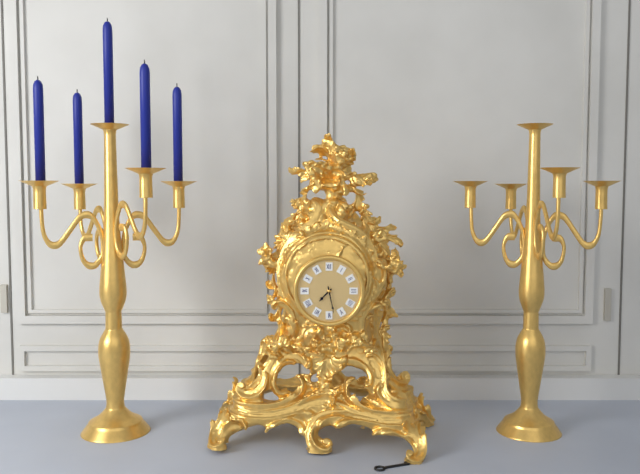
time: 7:28
